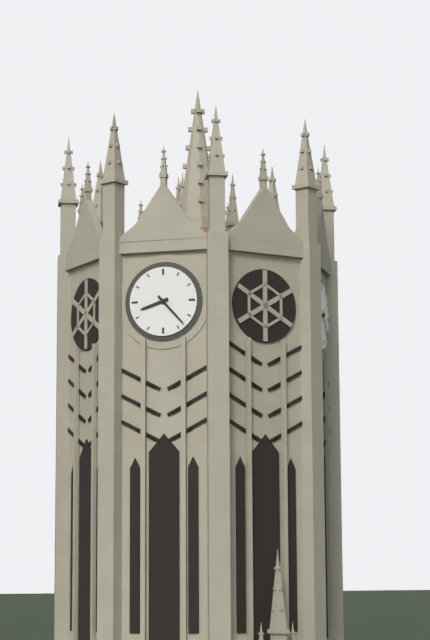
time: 8:23
